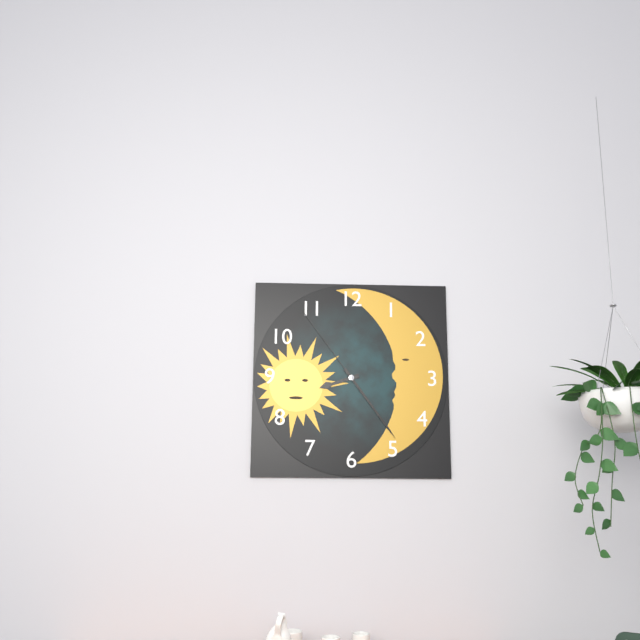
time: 8:24:54
